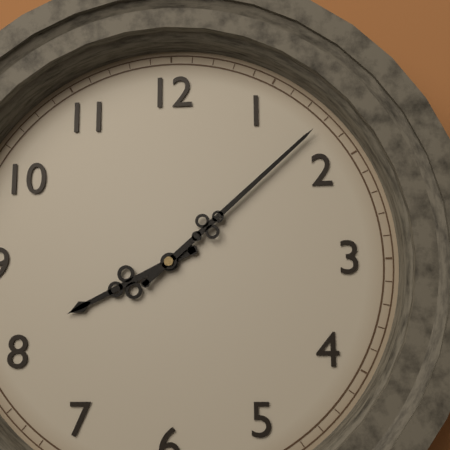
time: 8:08
